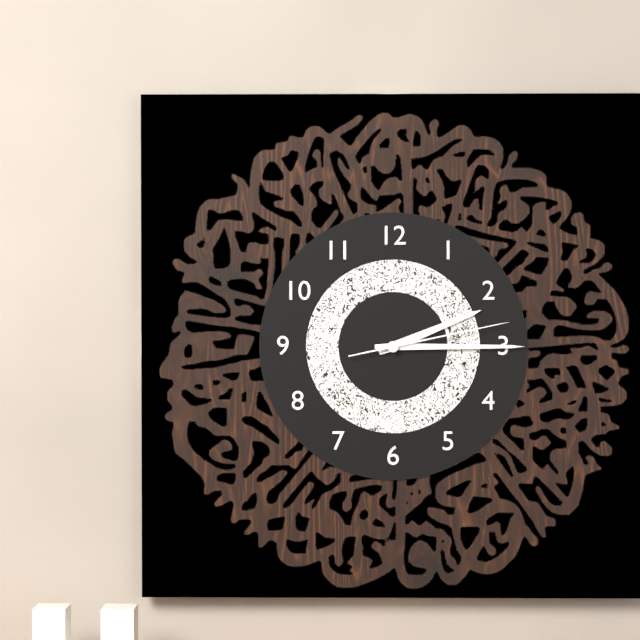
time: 2:15:13
